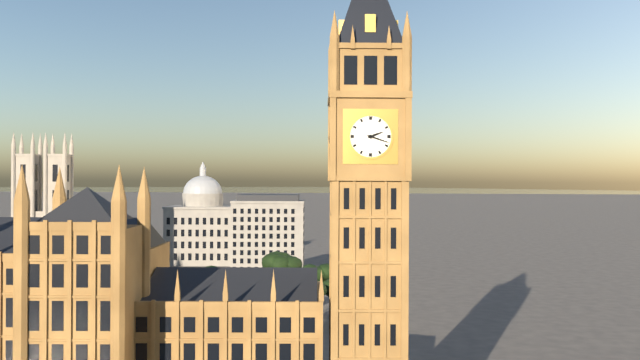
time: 2:18
